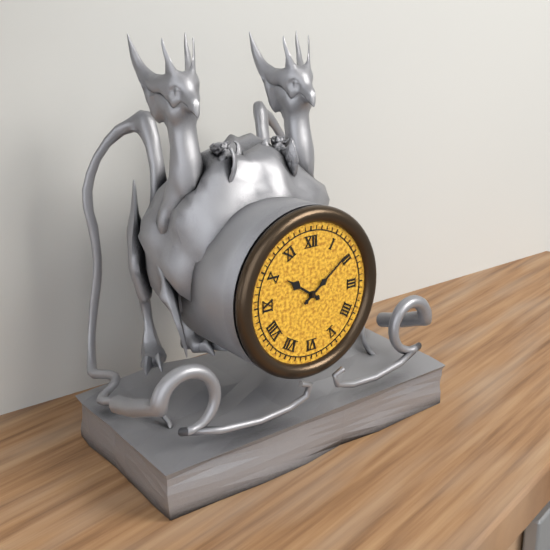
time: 10:09
